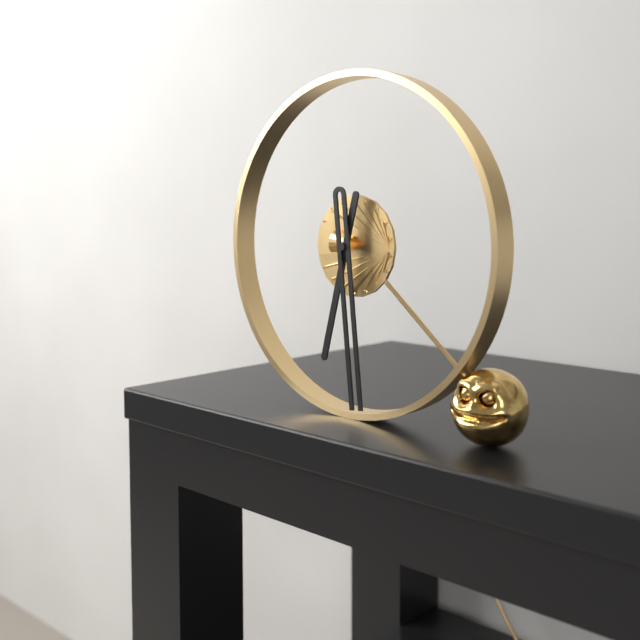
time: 6:29
